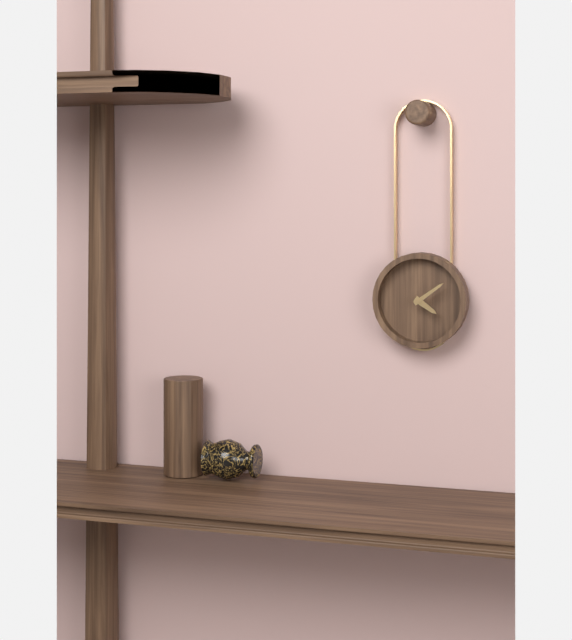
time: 4:09
